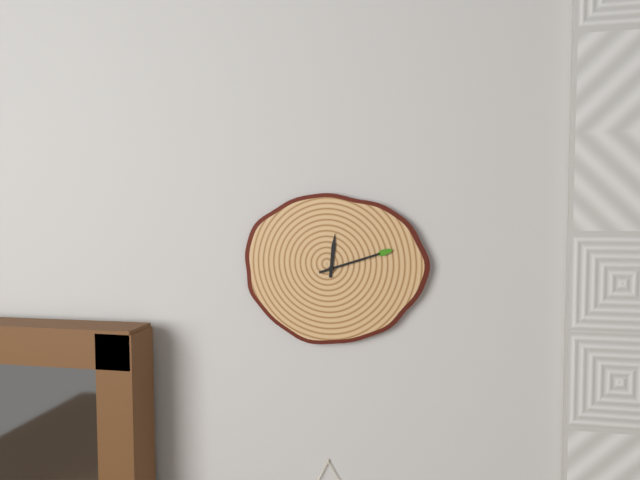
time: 12:12
